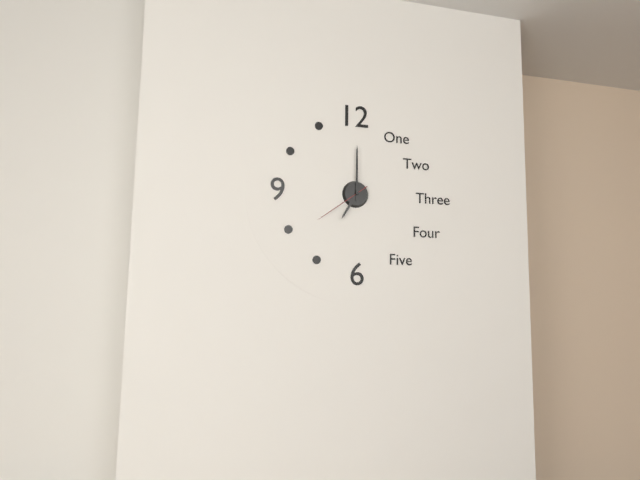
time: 7:00:39
